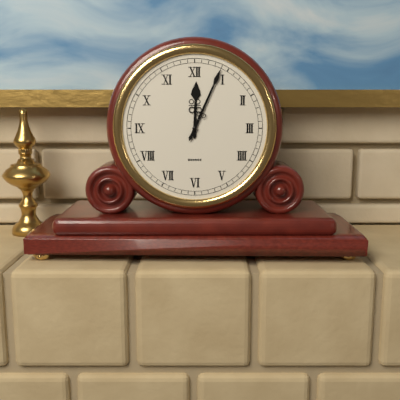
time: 12:04
